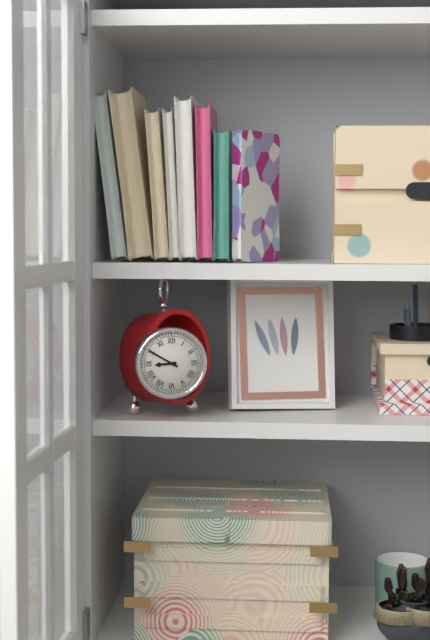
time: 8:50
